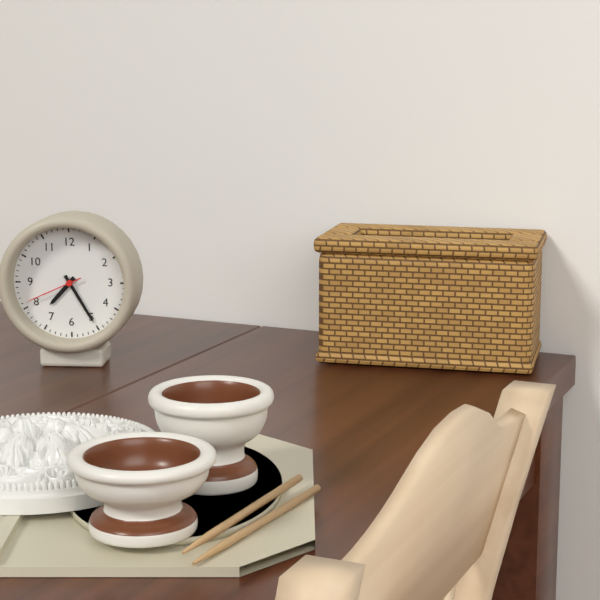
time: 7:25:41
